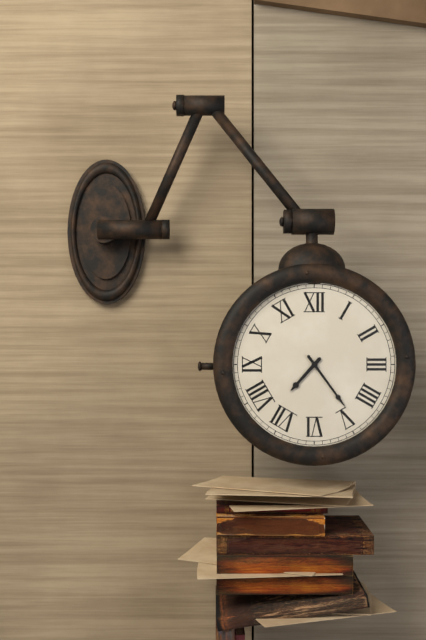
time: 7:24
